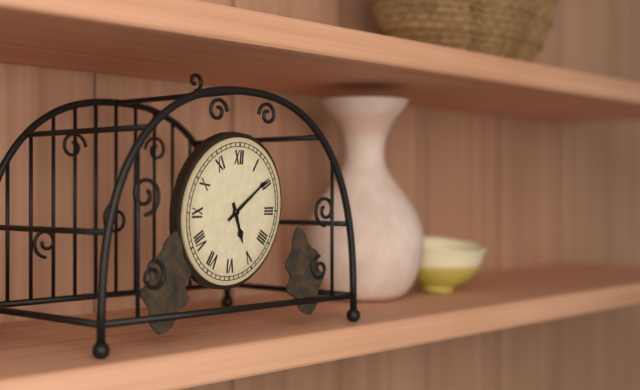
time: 5:09
